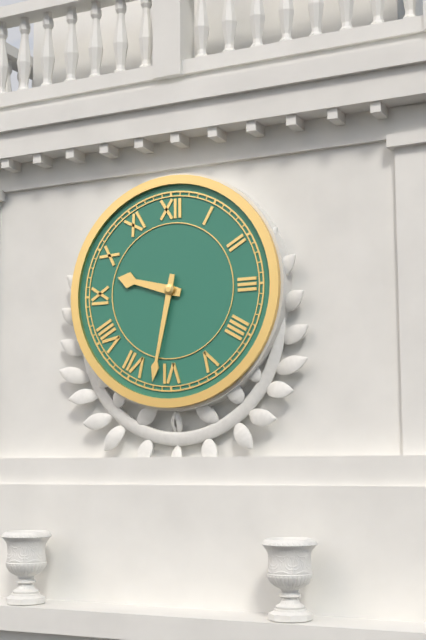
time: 9:32
